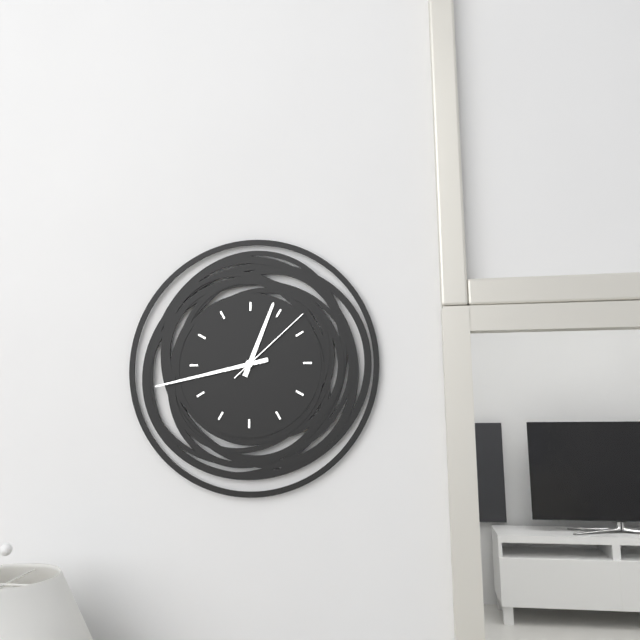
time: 12:43:08
